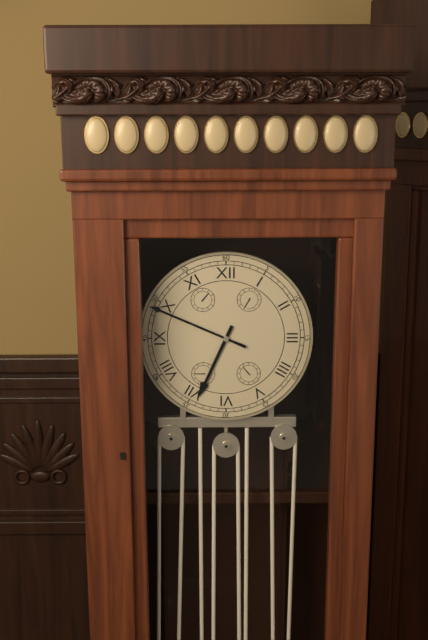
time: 6:49
